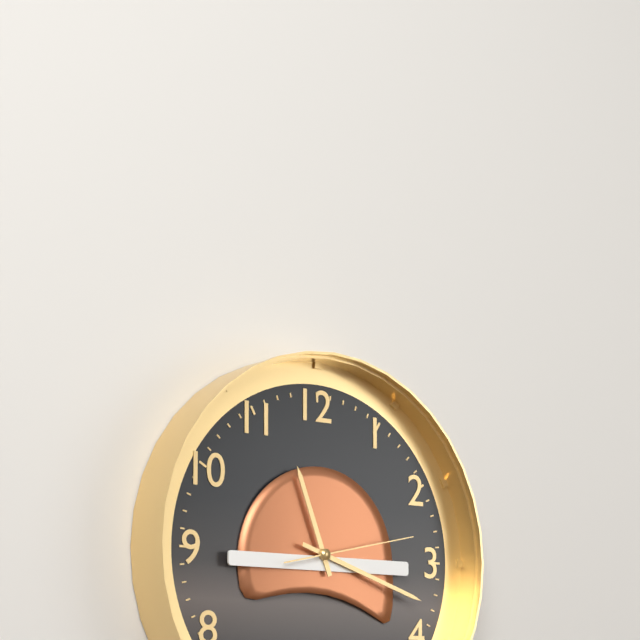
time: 11:18:13
